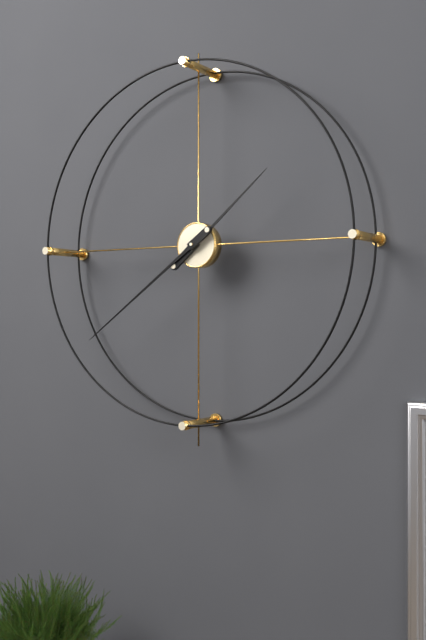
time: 1:39
